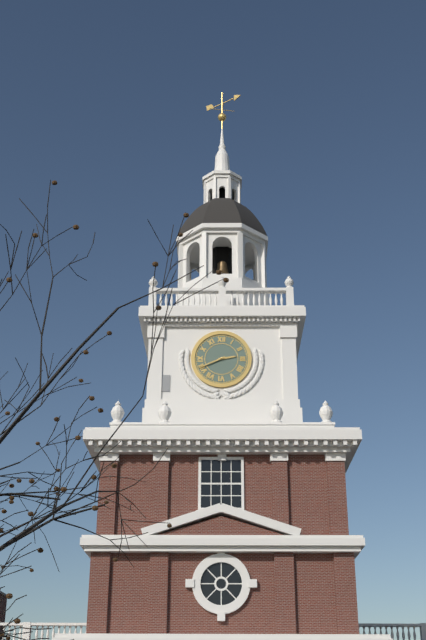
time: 2:41
